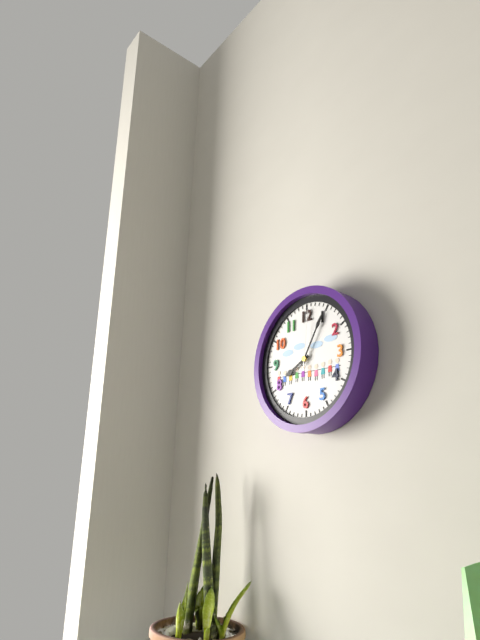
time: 8:05:01
